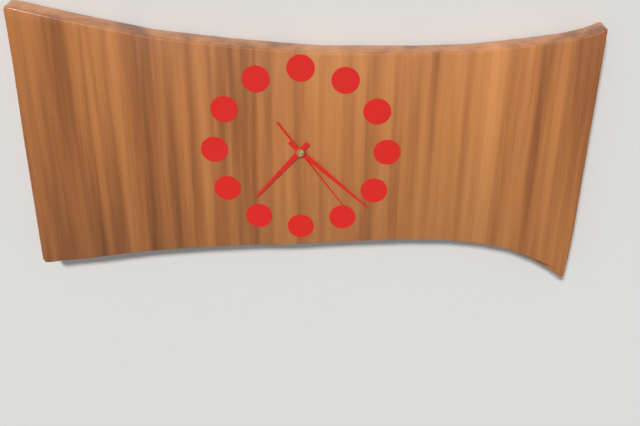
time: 7:22:24
